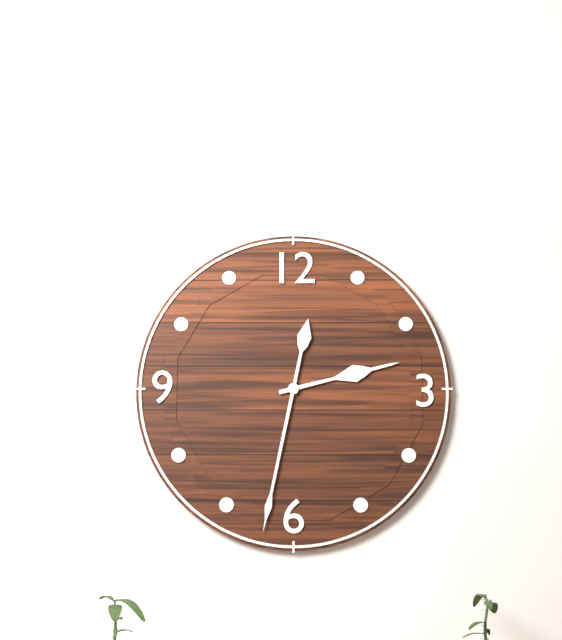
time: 2:32
